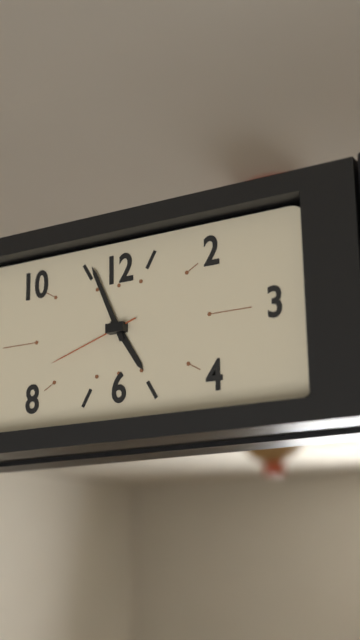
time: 4:56:42
